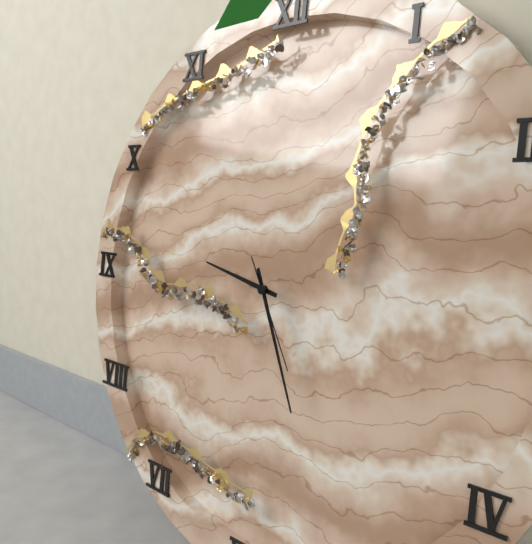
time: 9:26:25
